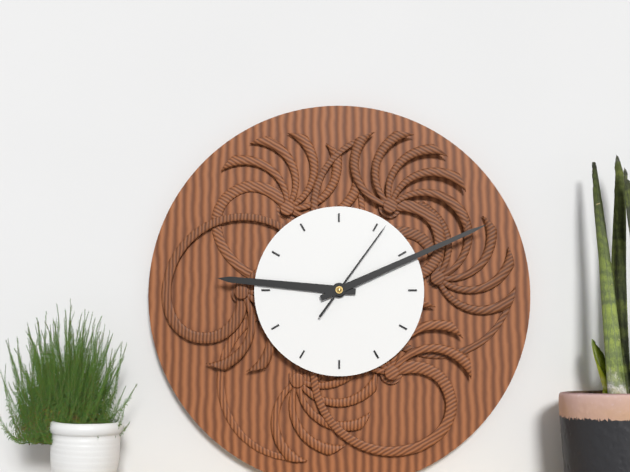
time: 9:11:06
